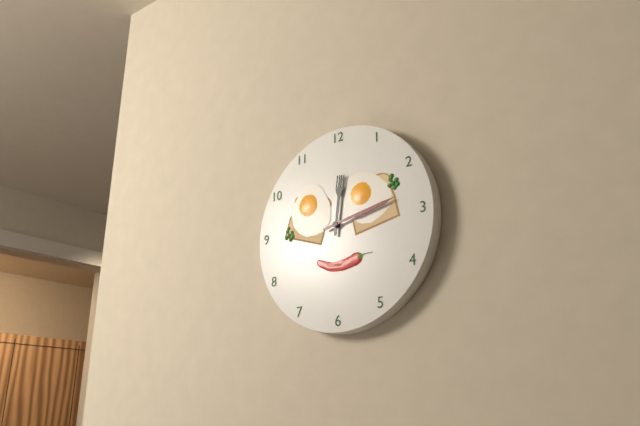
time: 12:13
